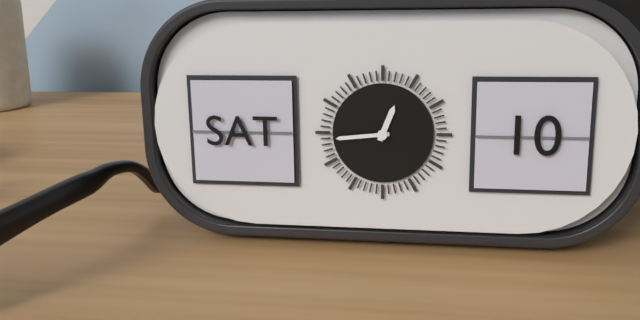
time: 12:44
